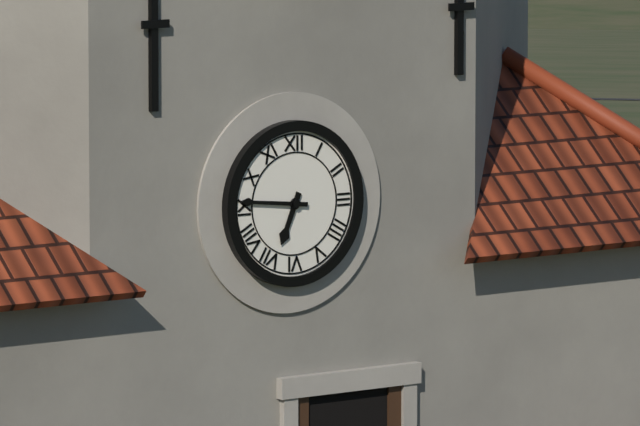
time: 6:46
